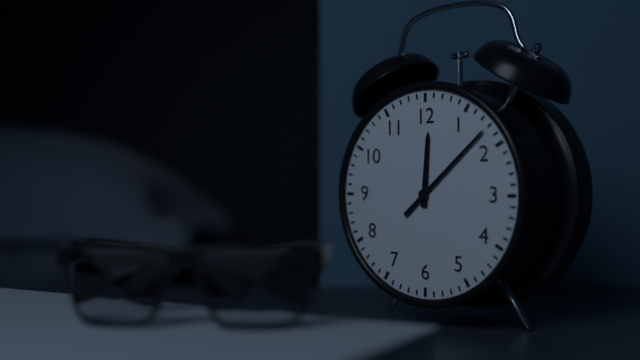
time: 12:08
